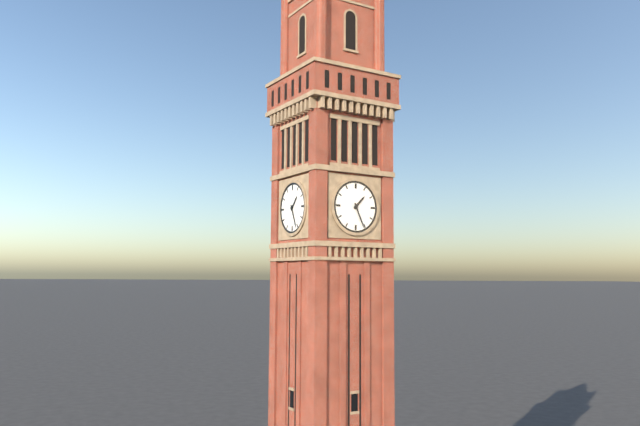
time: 1:26
